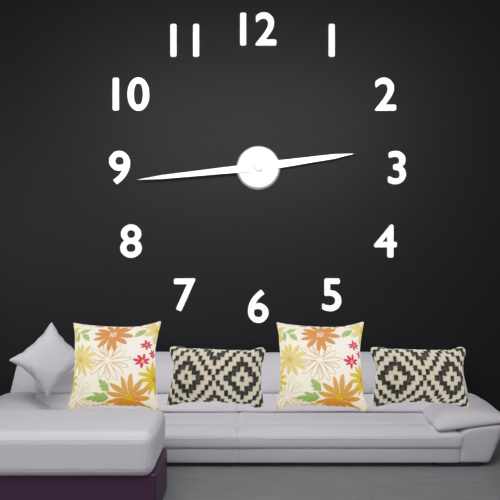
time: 2:44
